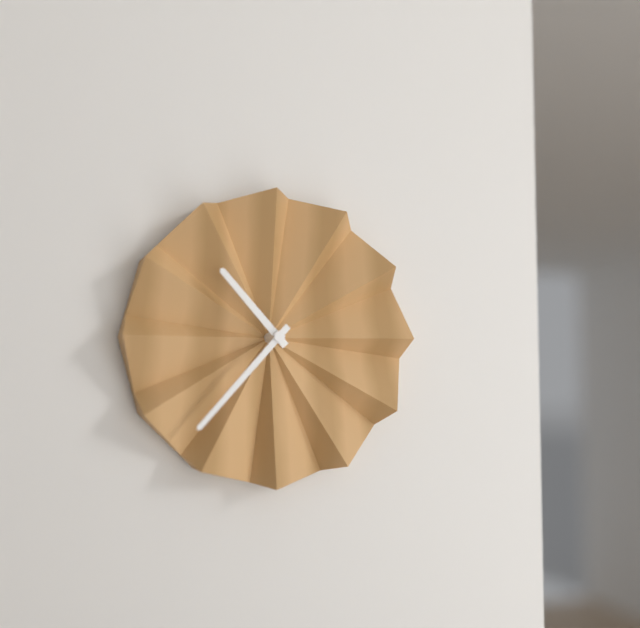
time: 10:37
